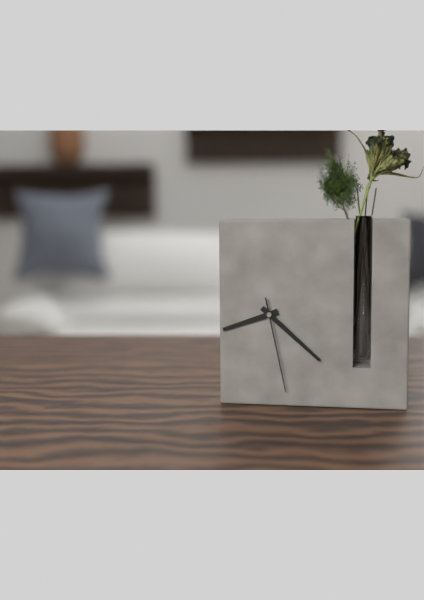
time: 8:22:28
